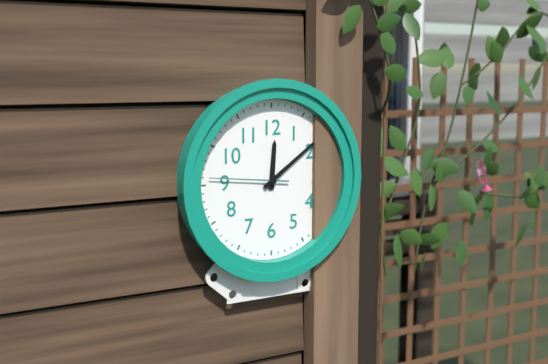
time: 12:09:46
